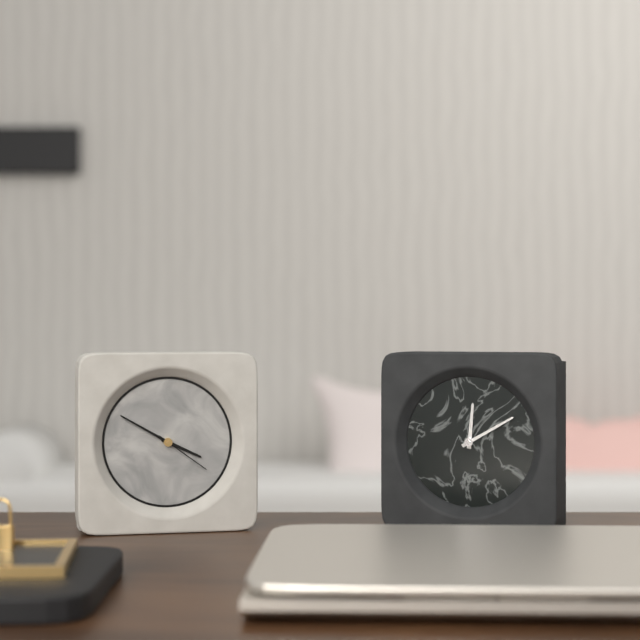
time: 3:50:21
